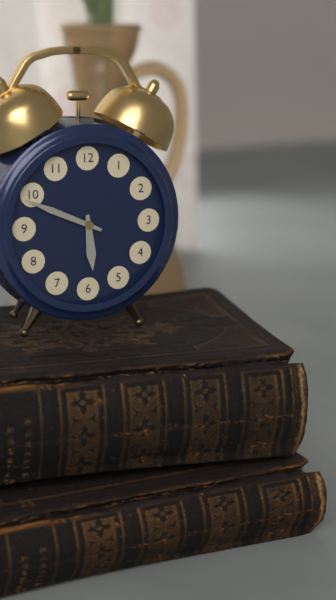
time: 5:49
